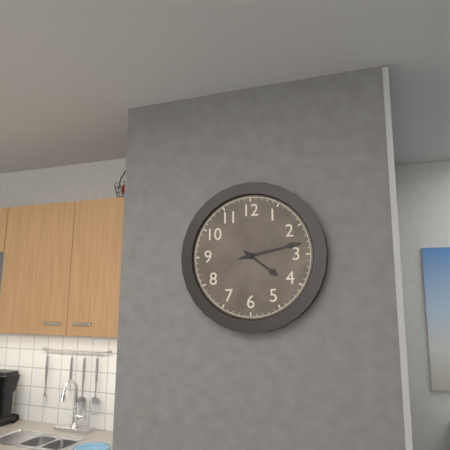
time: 4:13
